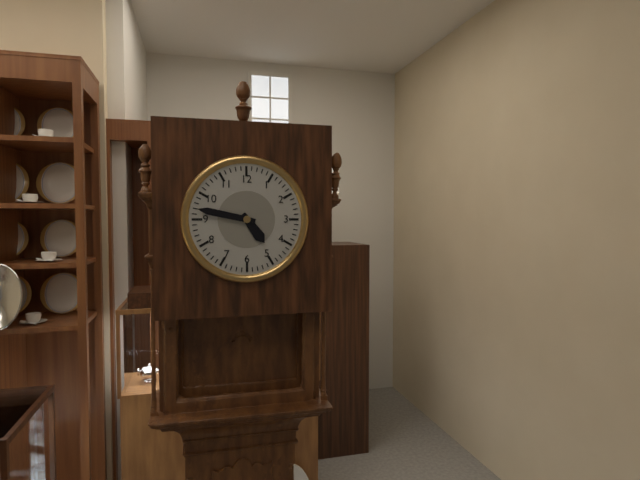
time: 4:47
